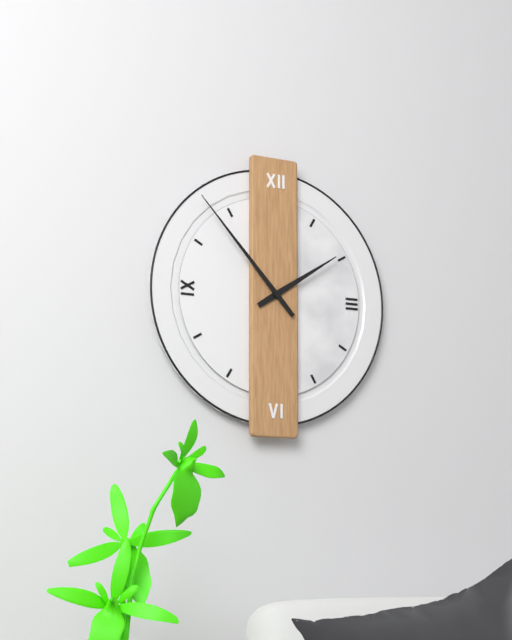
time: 1:53
